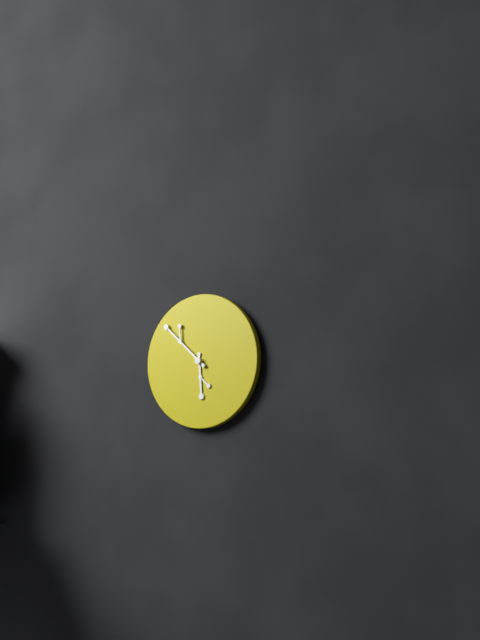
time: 5:52
